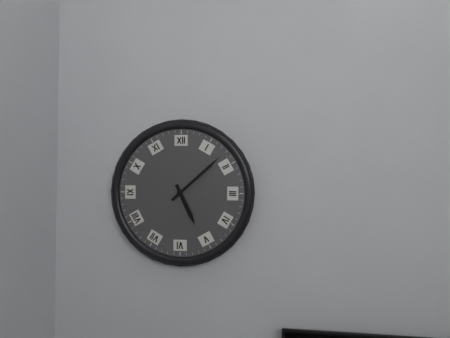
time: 5:08
